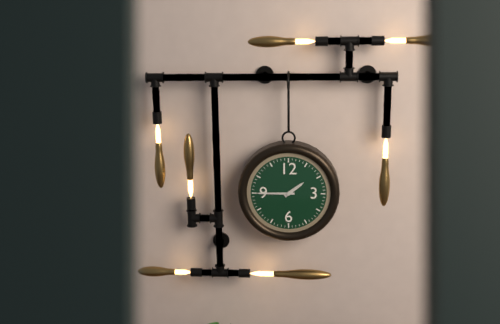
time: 1:45
